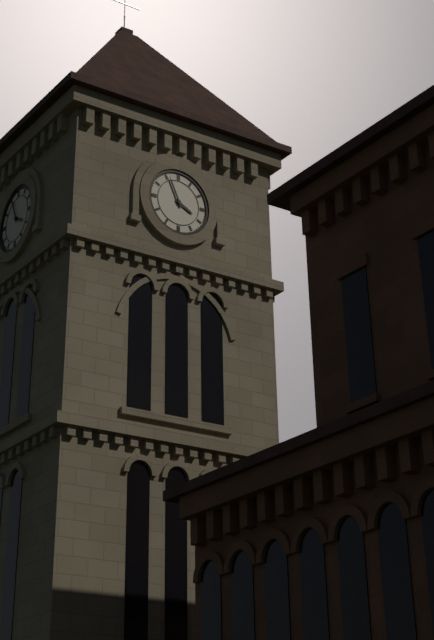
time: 3:56
